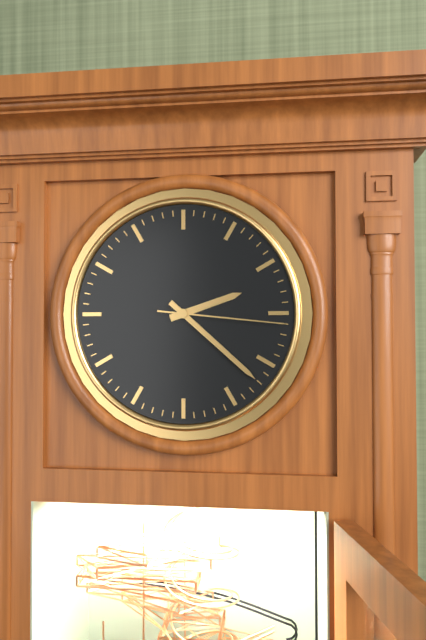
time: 2:22:16
